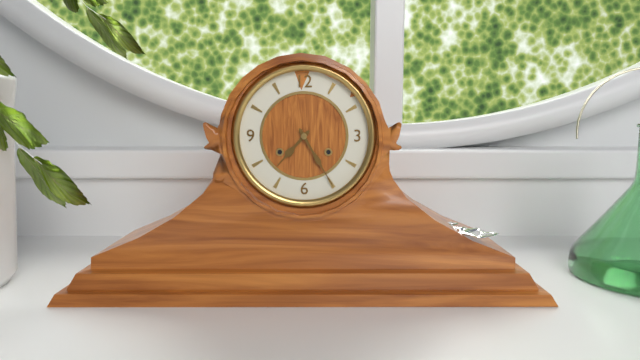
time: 7:25
